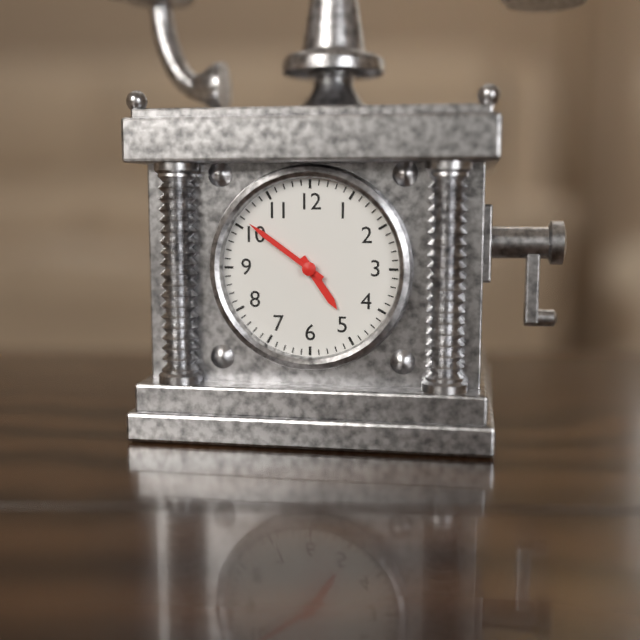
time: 4:51
